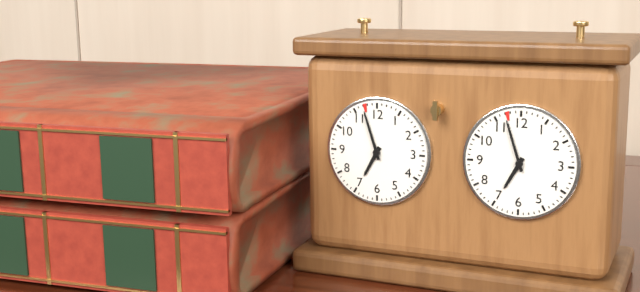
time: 6:57
